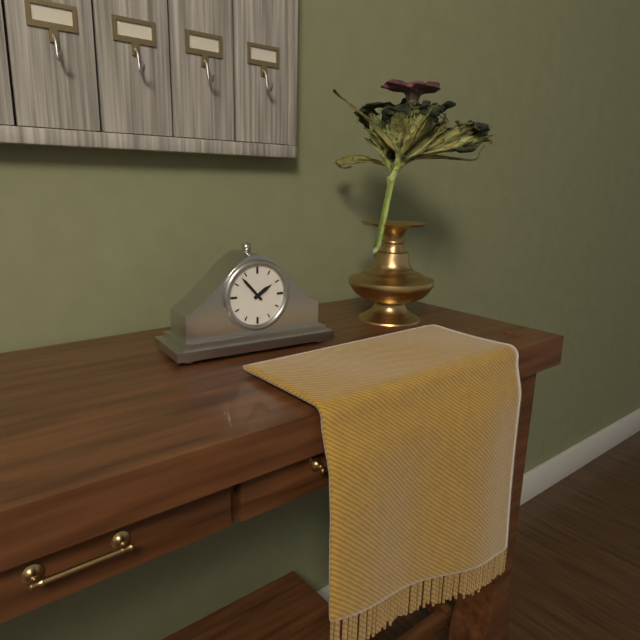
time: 1:53
